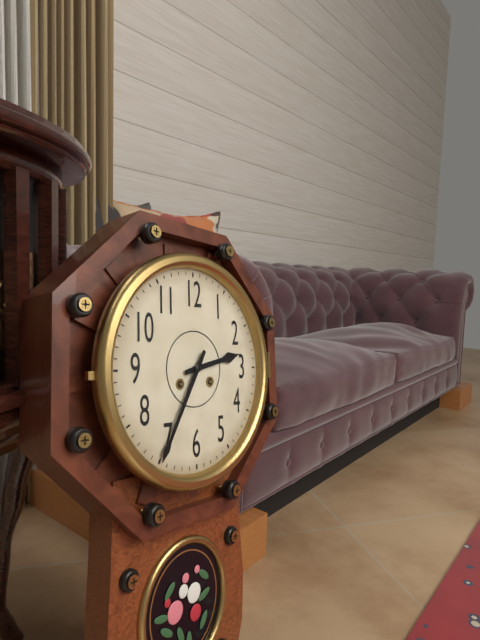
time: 2:35
